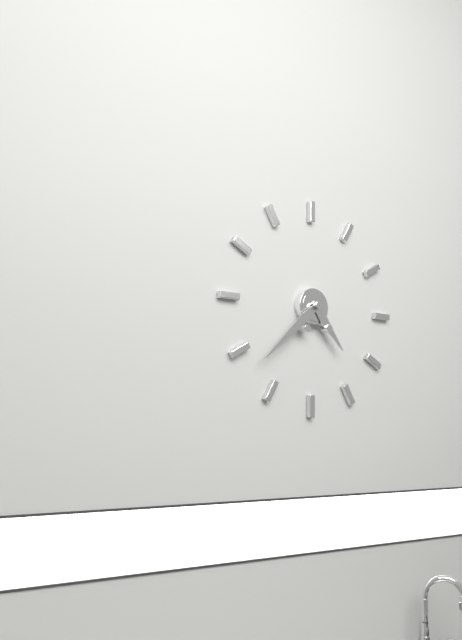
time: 4:38
